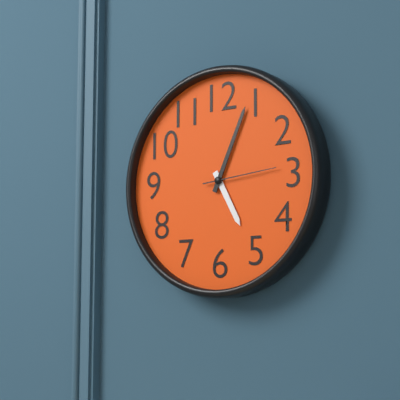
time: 5:04:14
